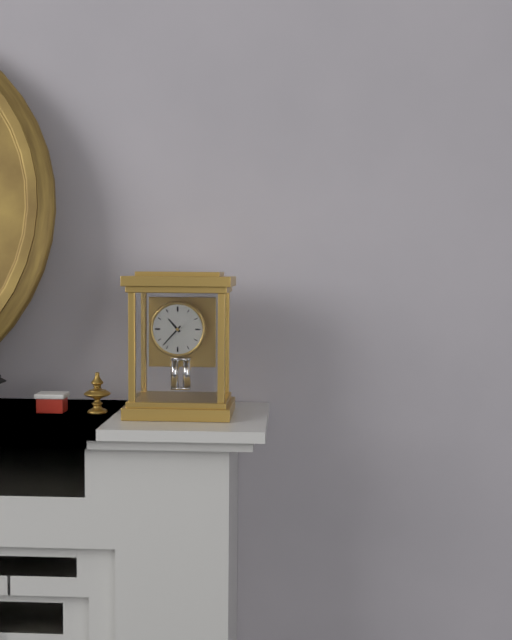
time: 10:37
